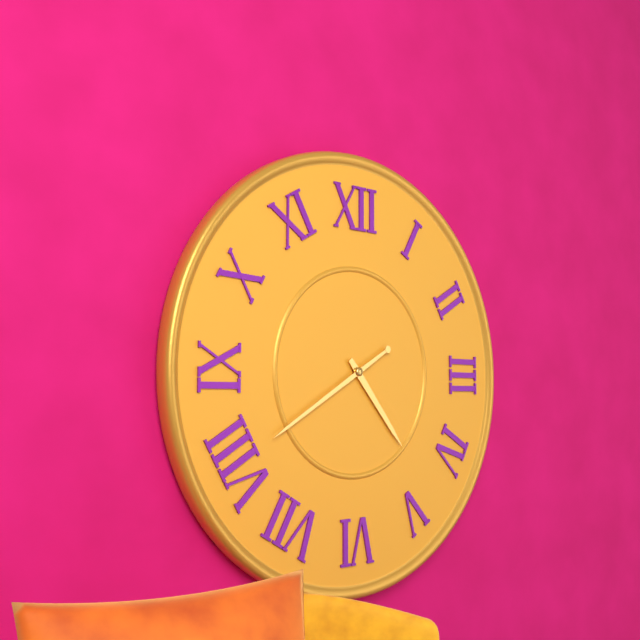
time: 4:40
